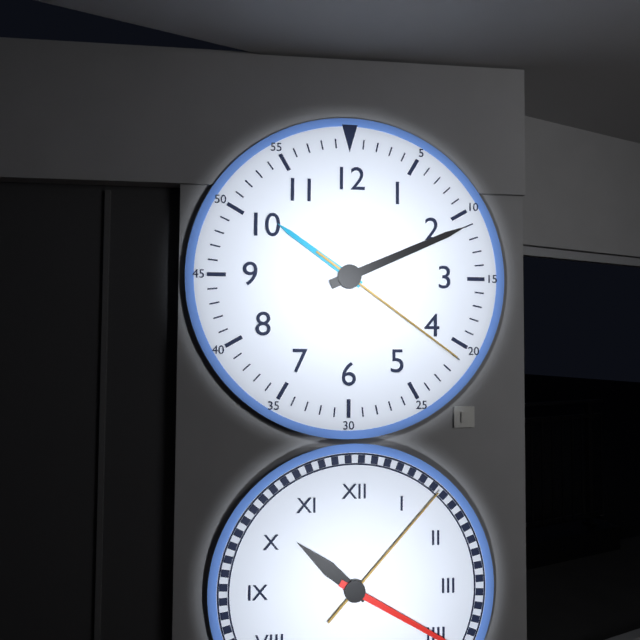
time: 10:11:21
